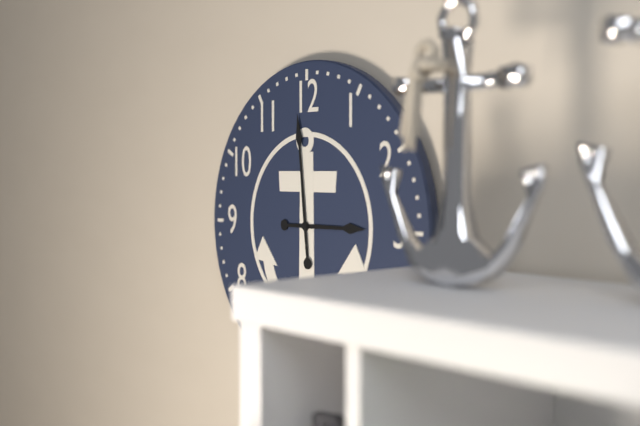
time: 2:59
